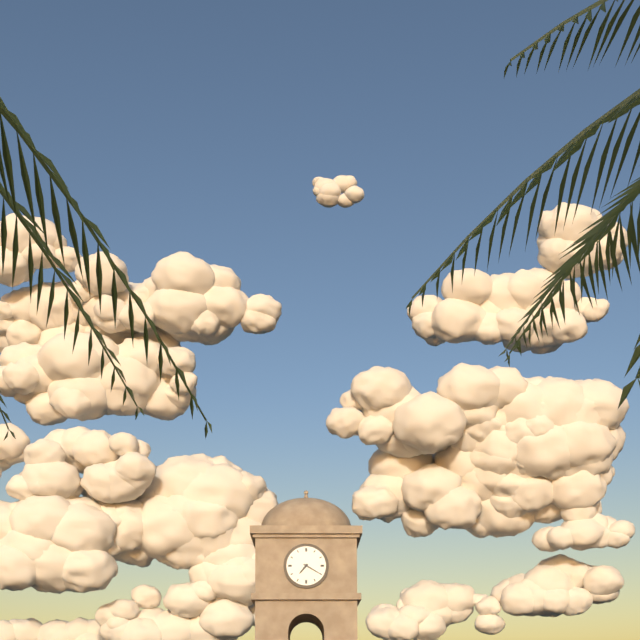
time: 7:20
